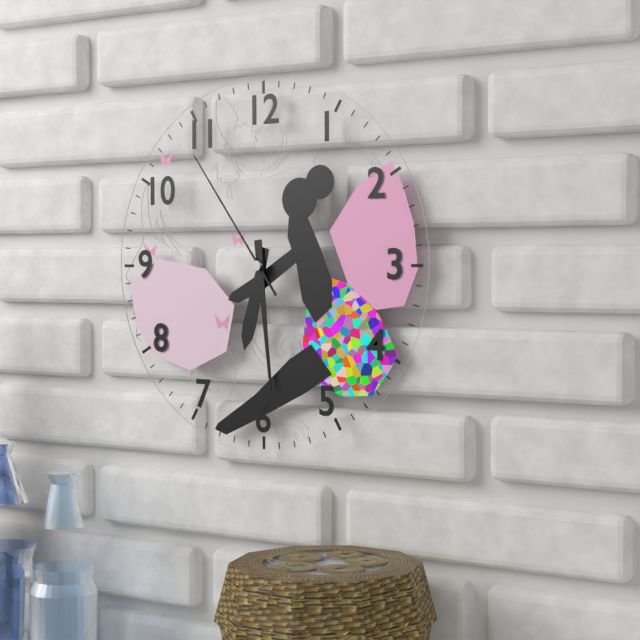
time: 6:29:54
